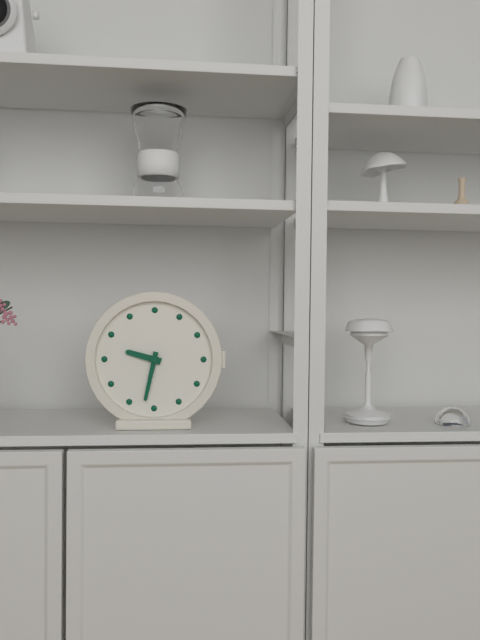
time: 9:32
